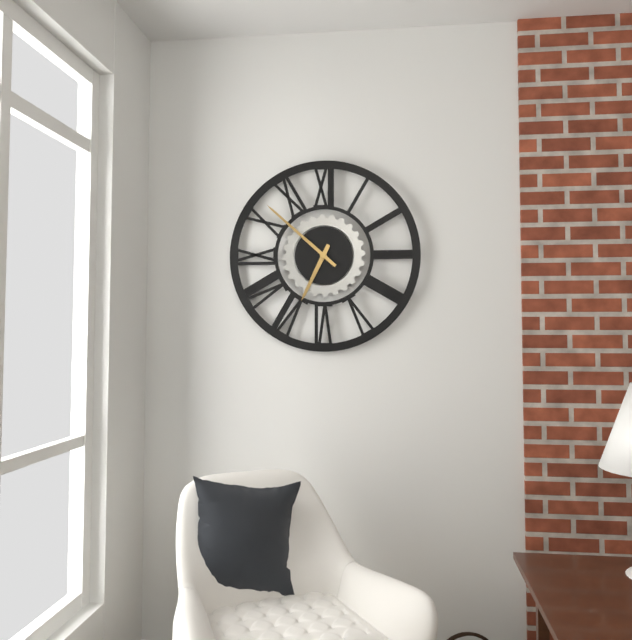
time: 6:52
